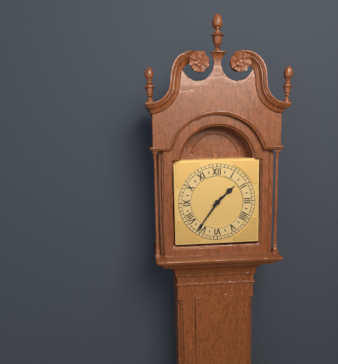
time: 1:36
